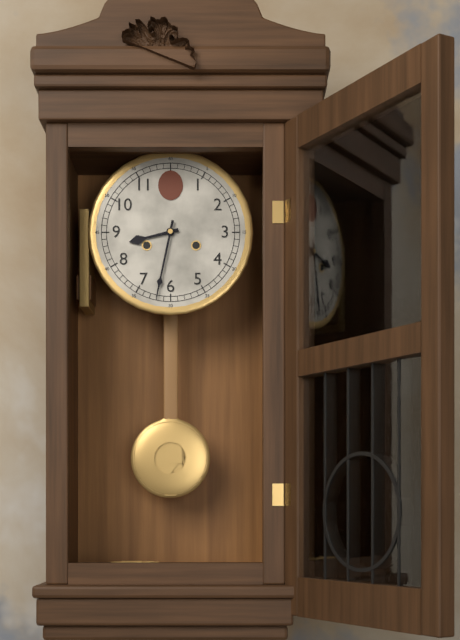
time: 8:32
